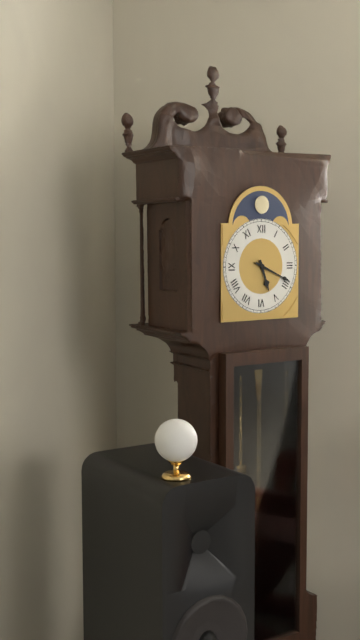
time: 5:19
